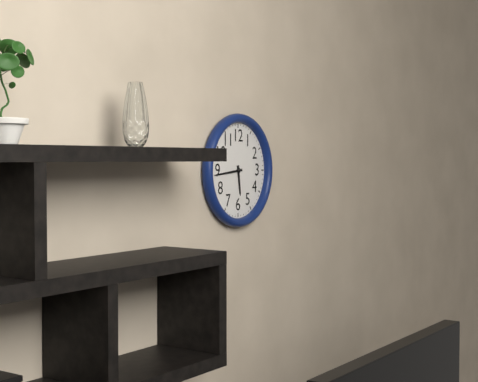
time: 5:44
